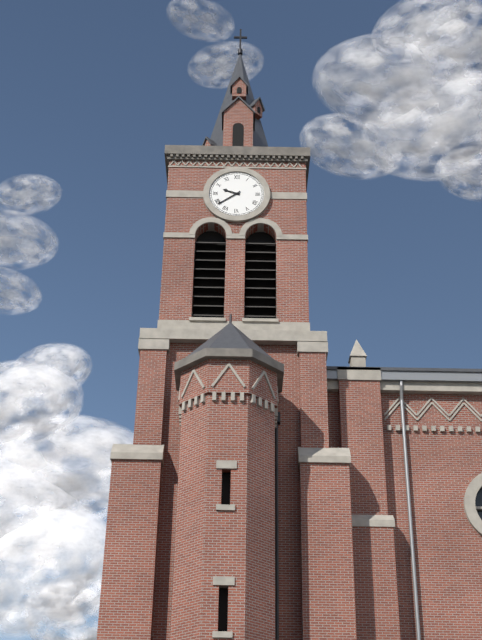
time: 9:39
